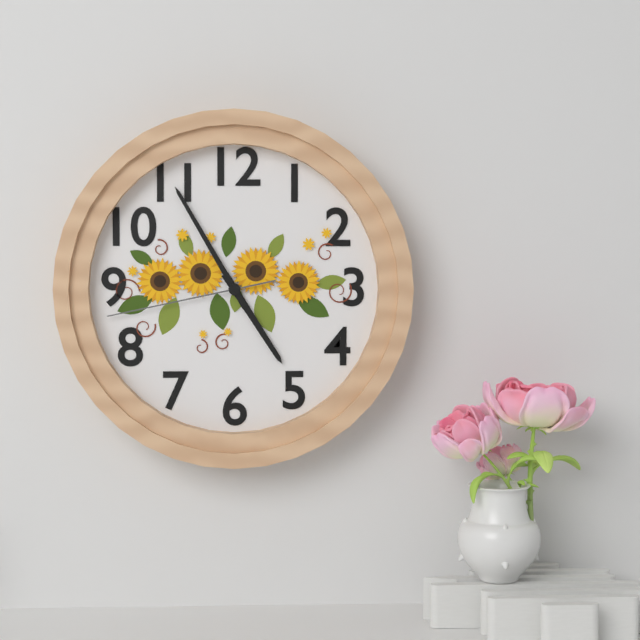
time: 4:55:43
